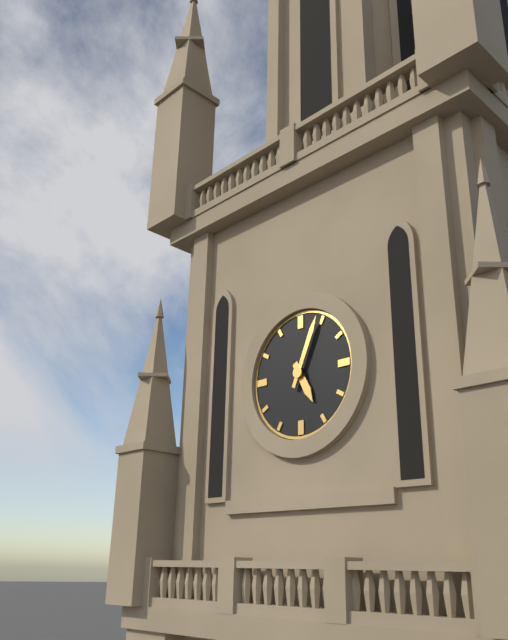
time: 5:04
